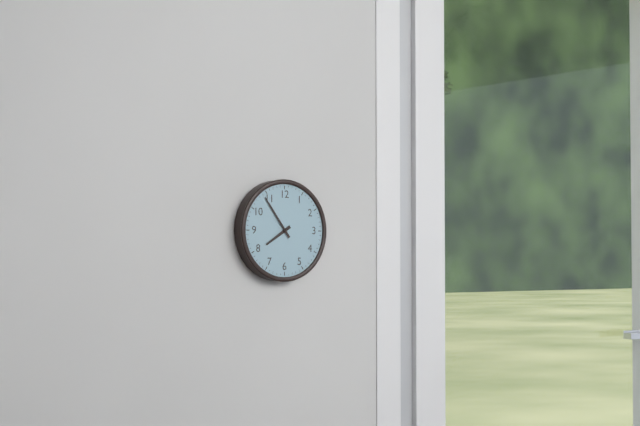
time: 7:54
